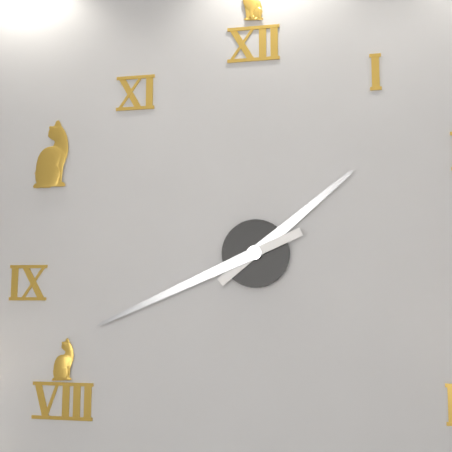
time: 1:41
